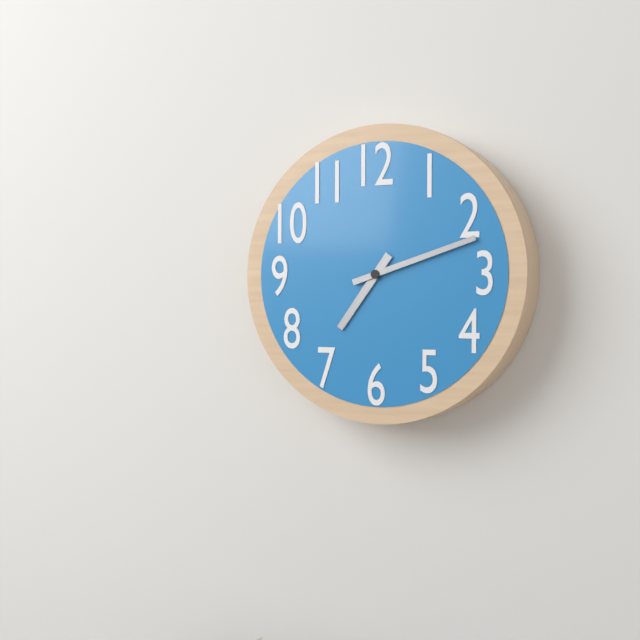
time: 7:12
